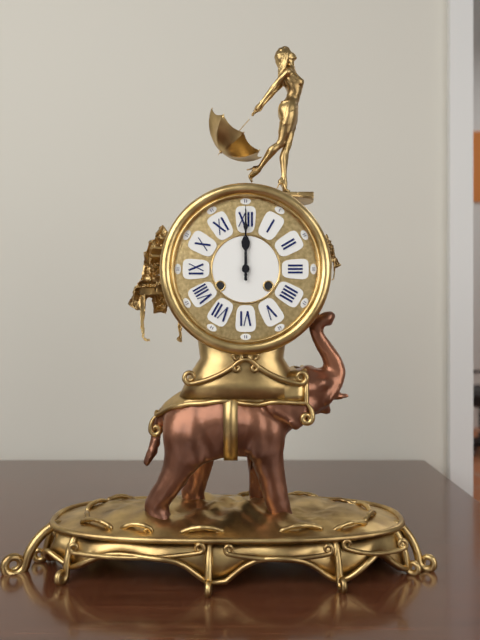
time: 12:00
